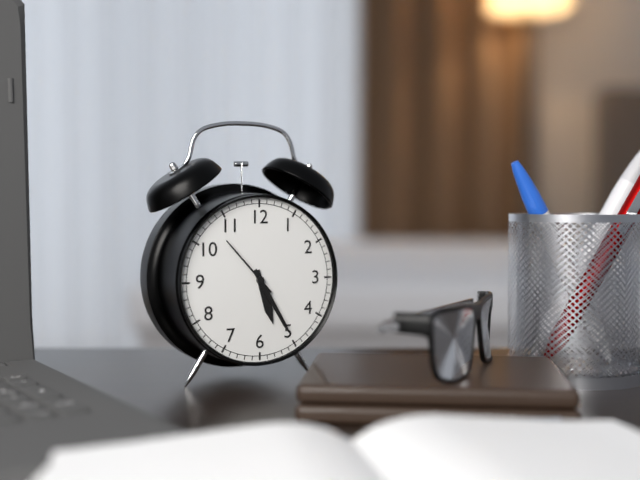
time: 5:25:53
